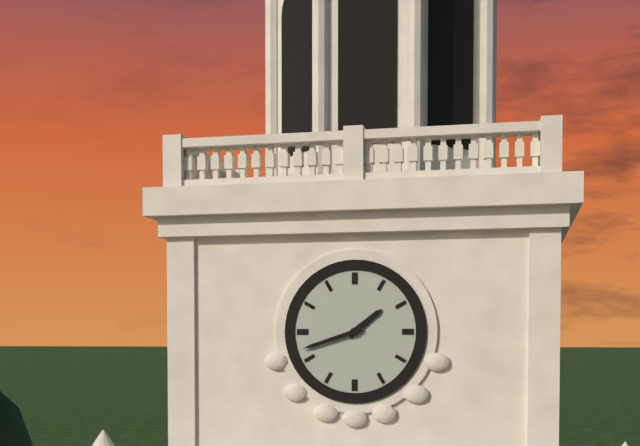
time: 1:42
